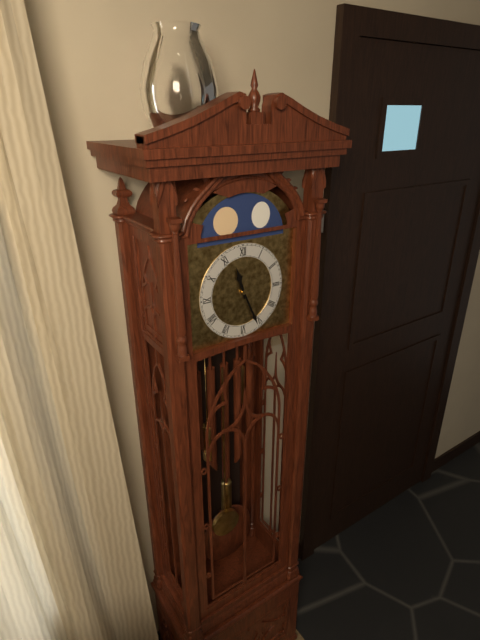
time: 11:26
